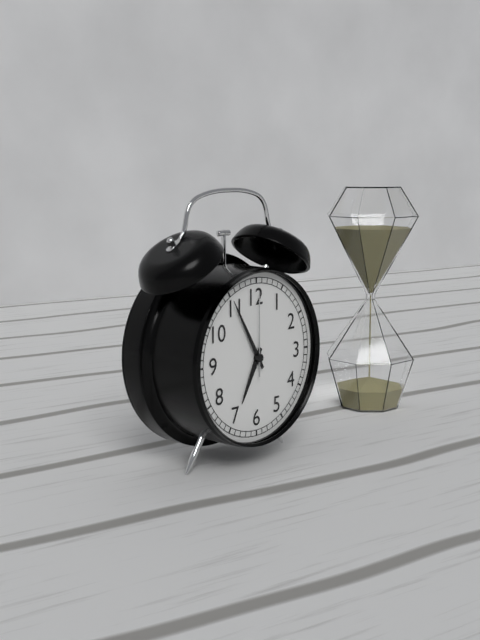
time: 6:55:00
